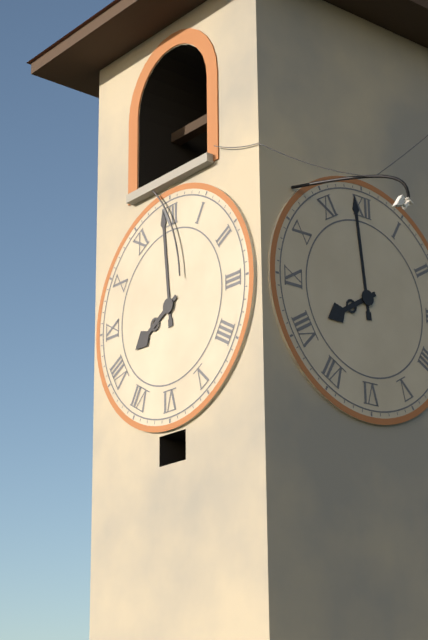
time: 7:59
